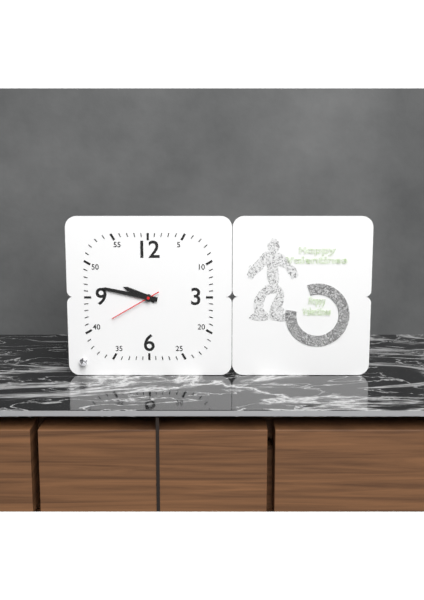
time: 9:47:40
